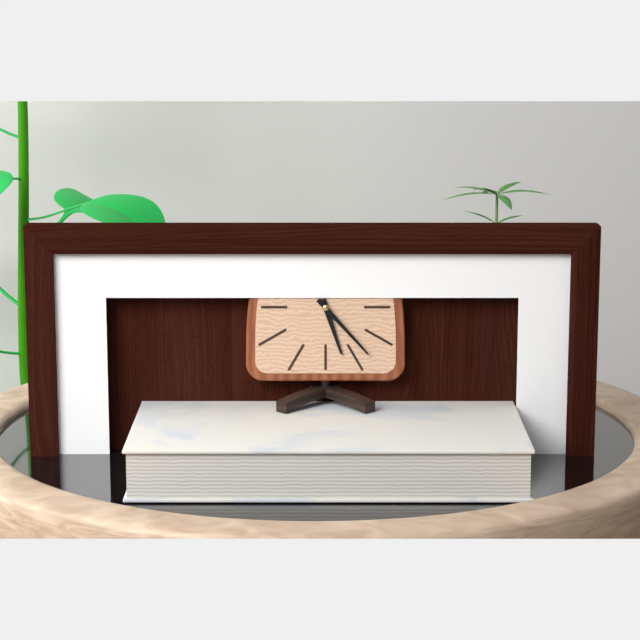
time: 5:23
